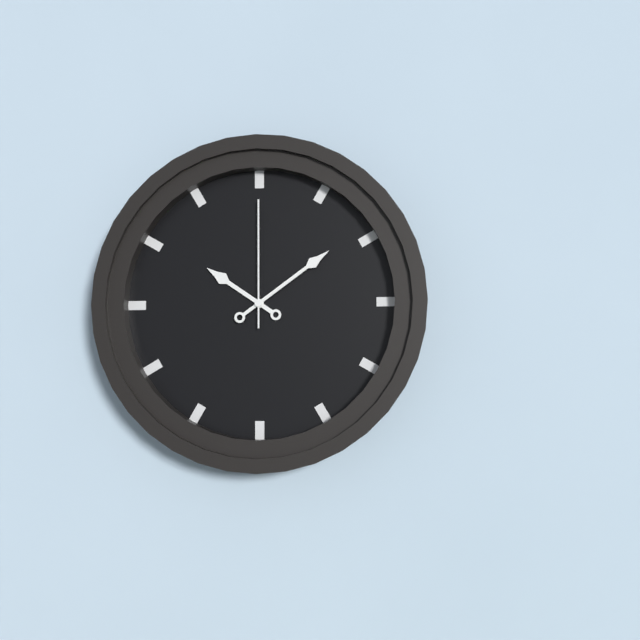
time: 10:09:00
